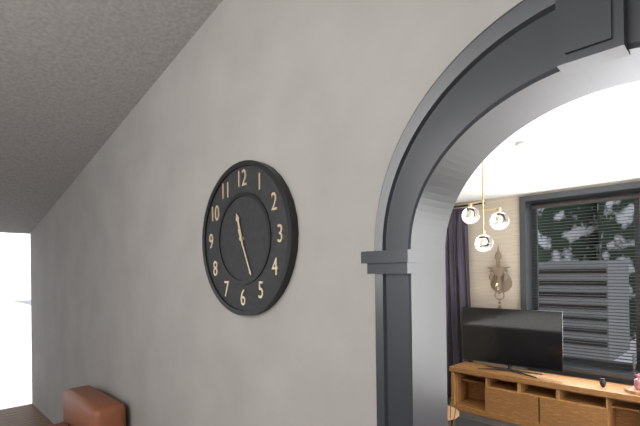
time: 11:26
